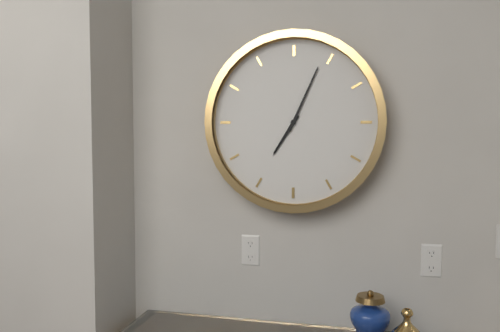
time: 7:04
